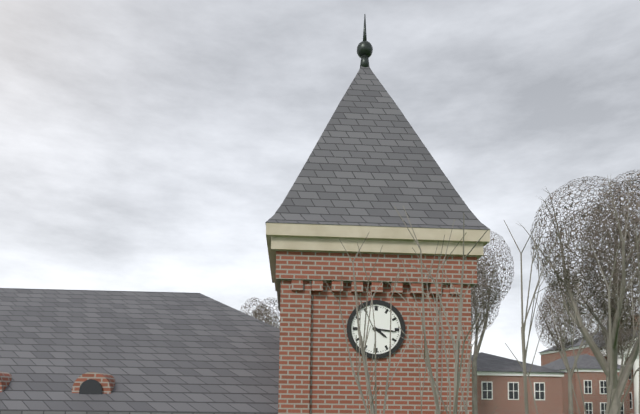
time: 4:16
